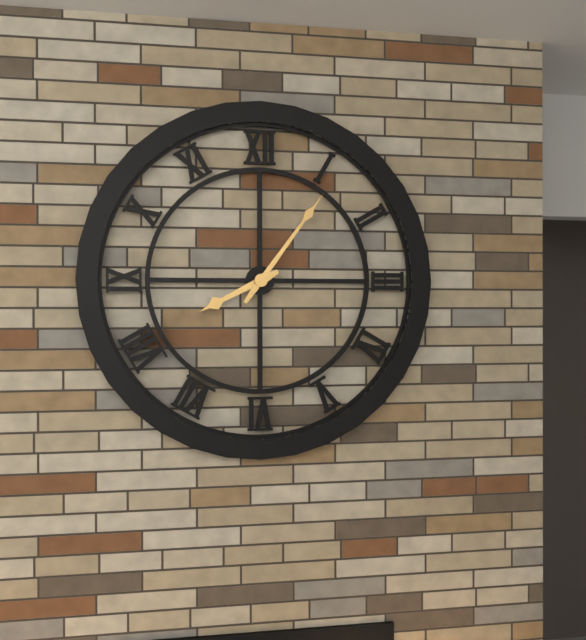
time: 8:06
